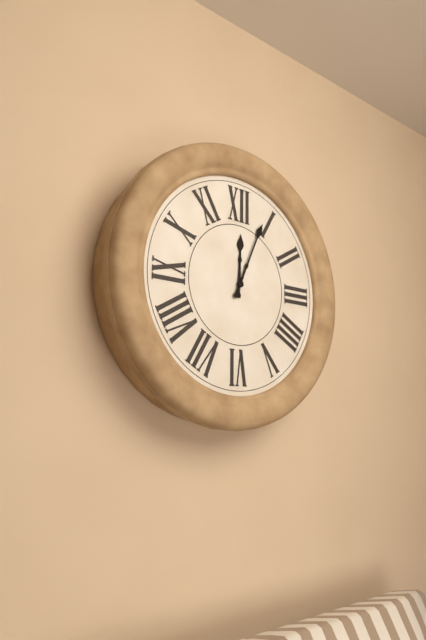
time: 12:04
